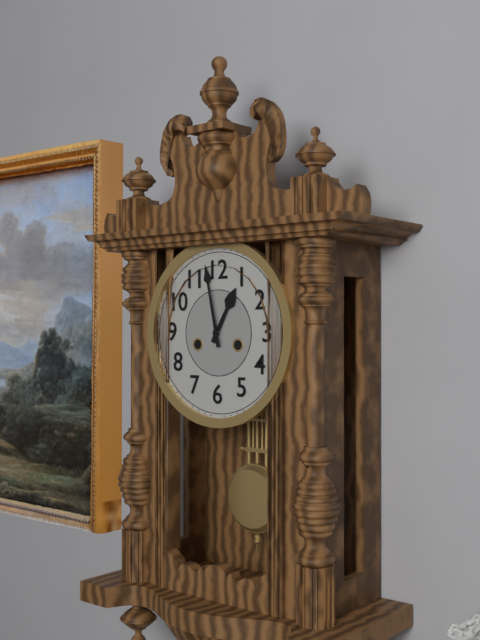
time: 12:58
